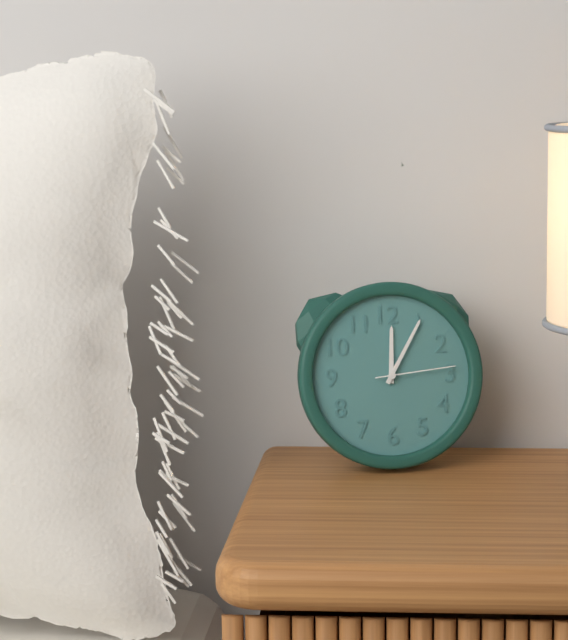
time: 12:05:14
